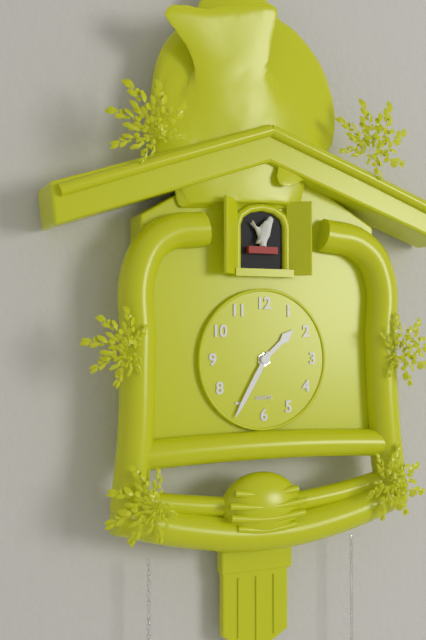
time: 1:35
